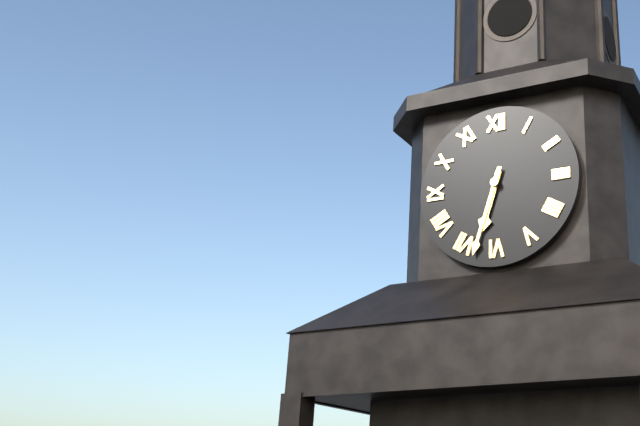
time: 6:33
